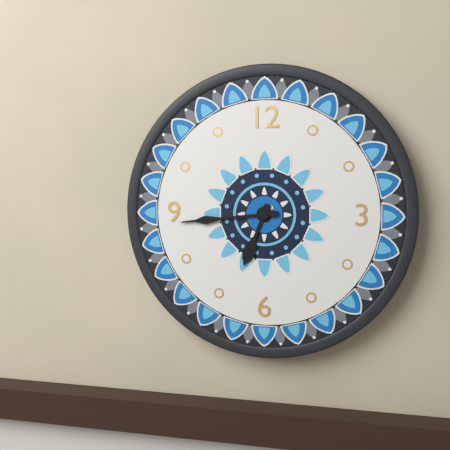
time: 6:44
